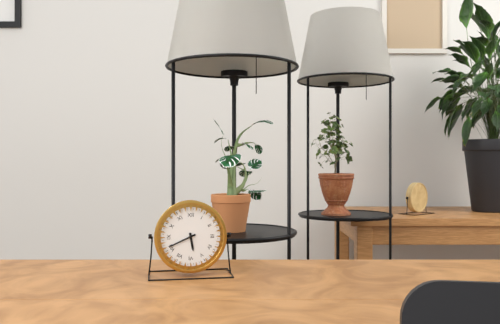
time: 5:41
